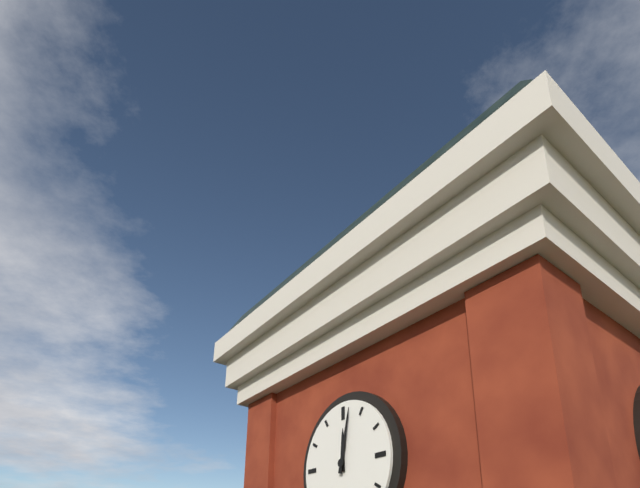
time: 12:02
